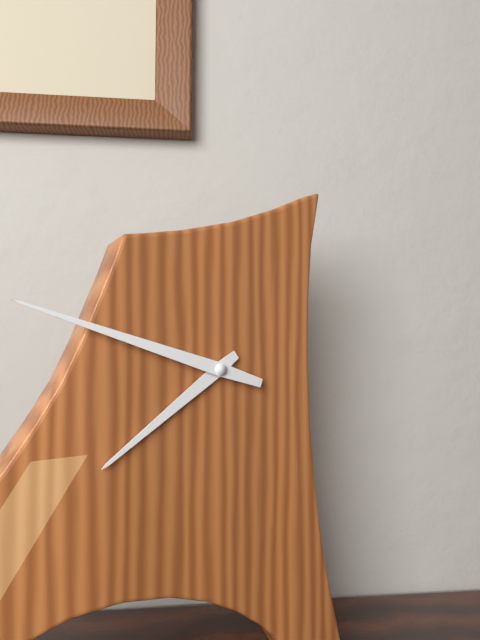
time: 7:48
